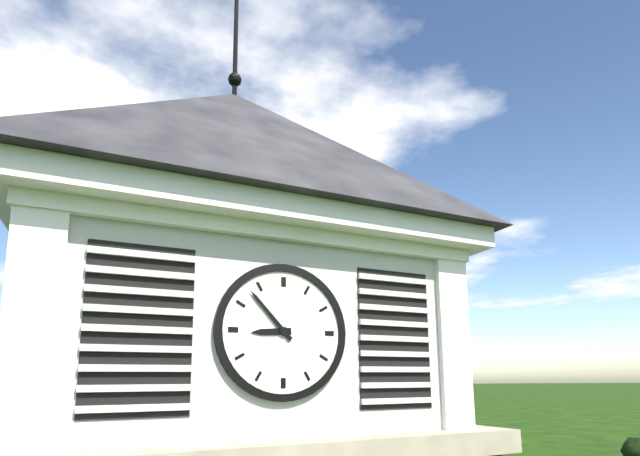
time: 8:53
